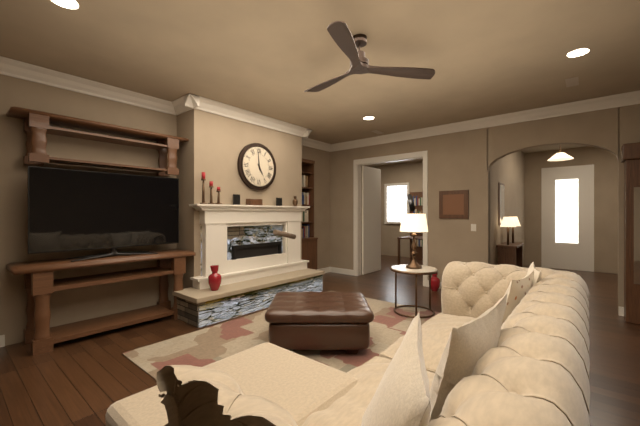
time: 4:59
